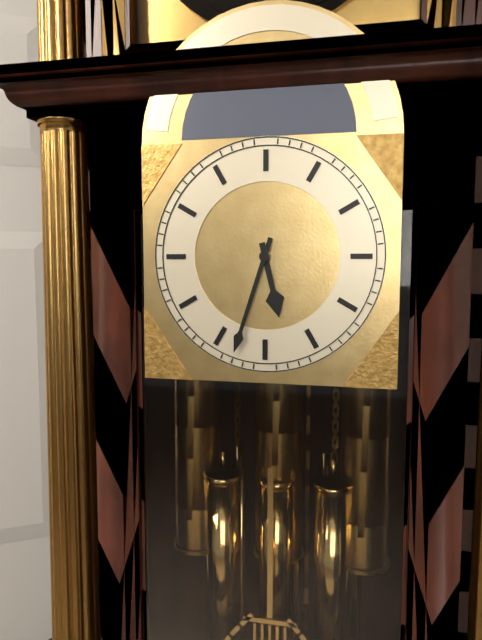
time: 5:33
